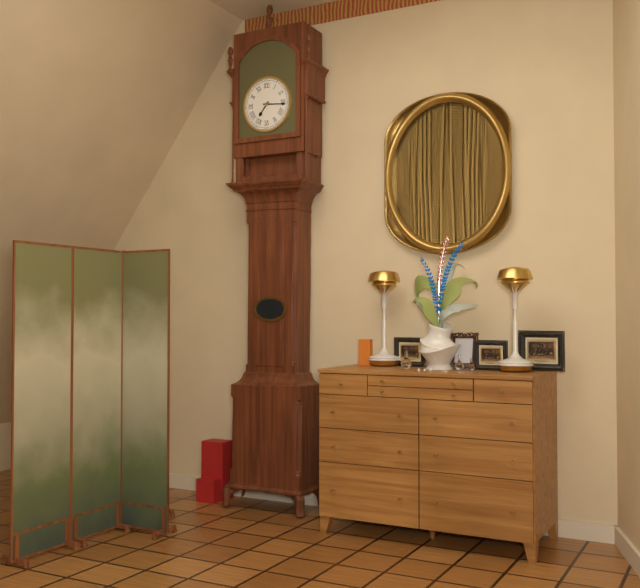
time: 7:16
